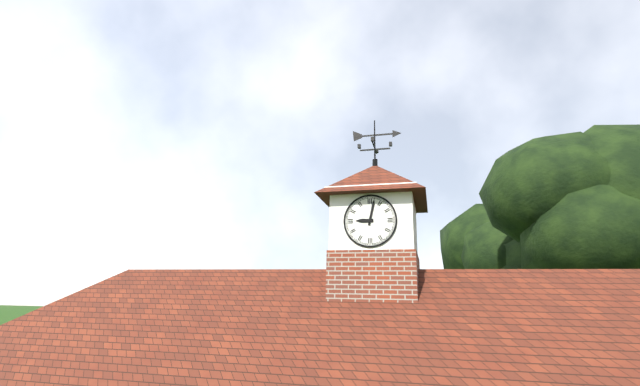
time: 9:02
